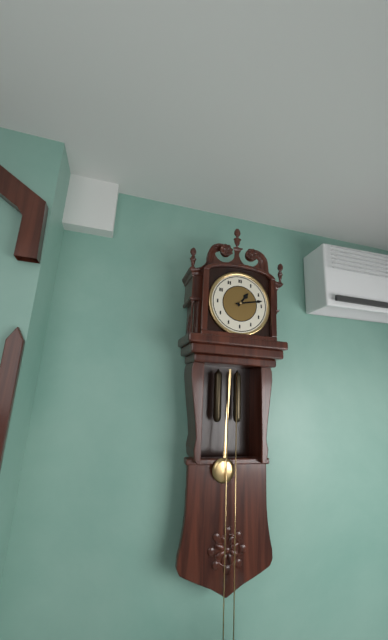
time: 1:13
